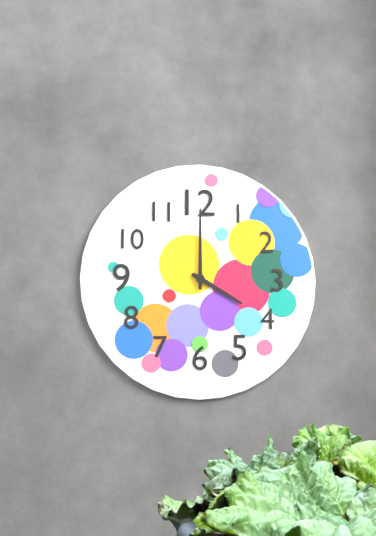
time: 4:00
